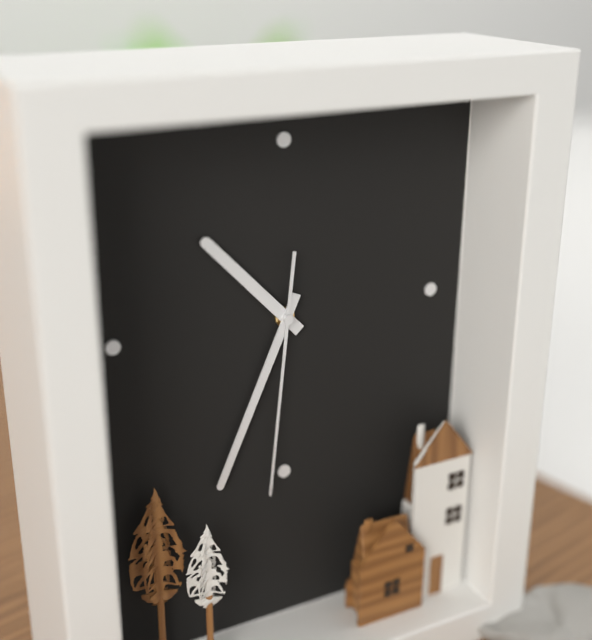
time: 10:34:31
